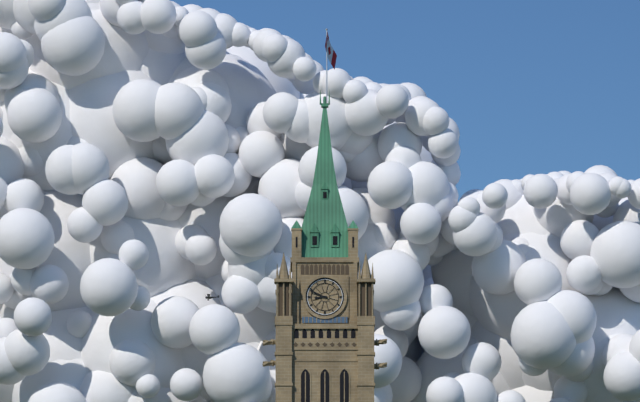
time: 8:49
